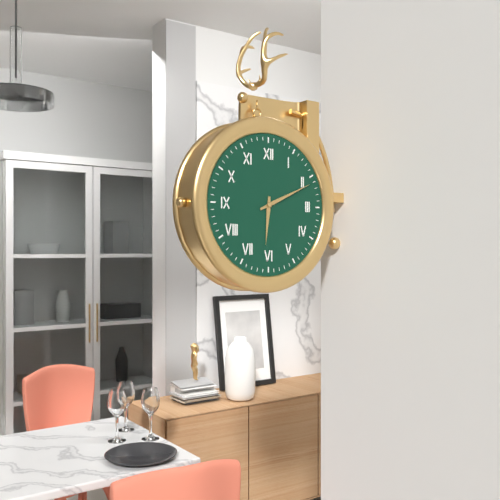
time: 6:11
